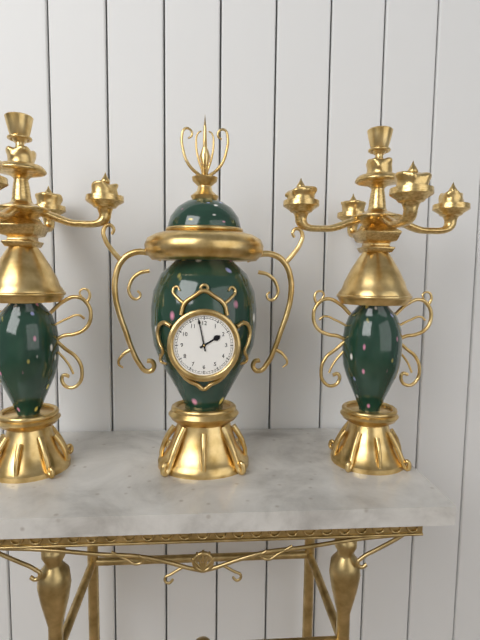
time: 1:58
